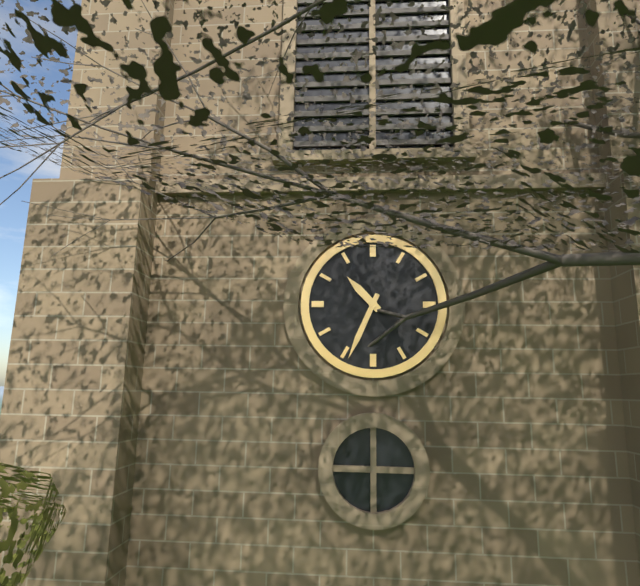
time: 10:34
